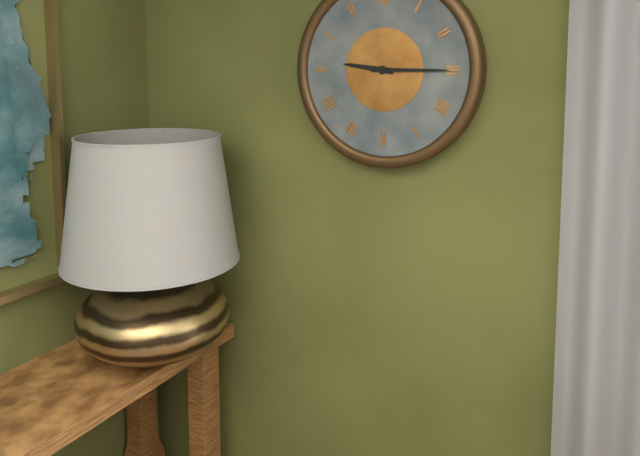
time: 9:15
